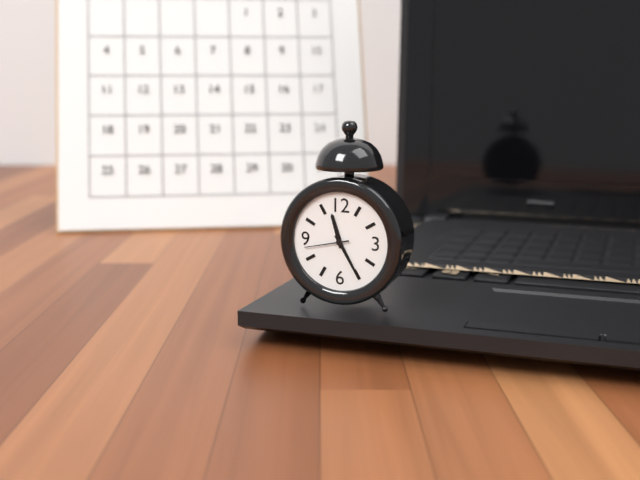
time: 11:25
